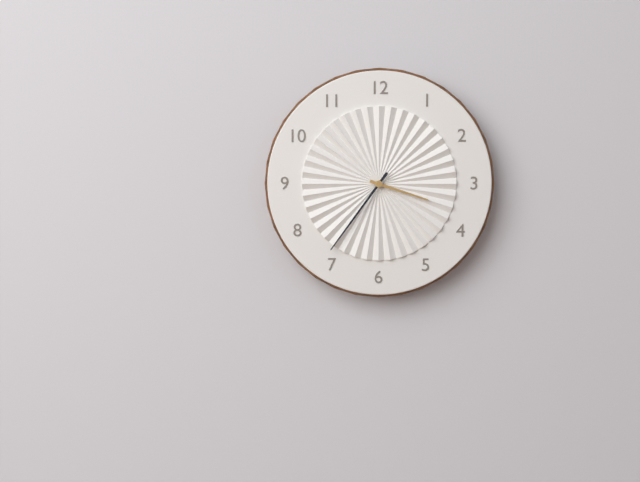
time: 3:36
